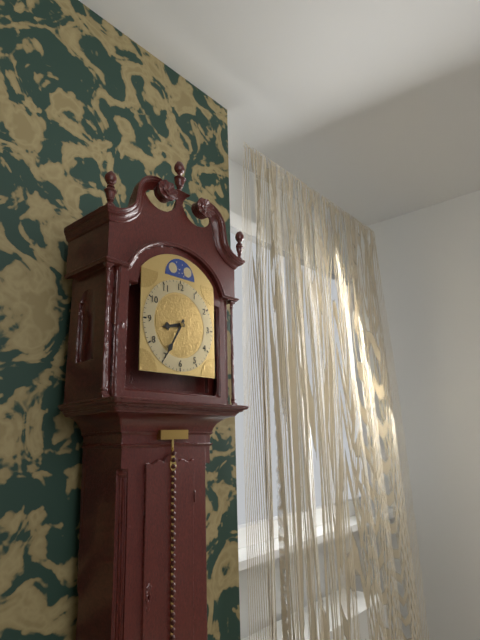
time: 8:35
